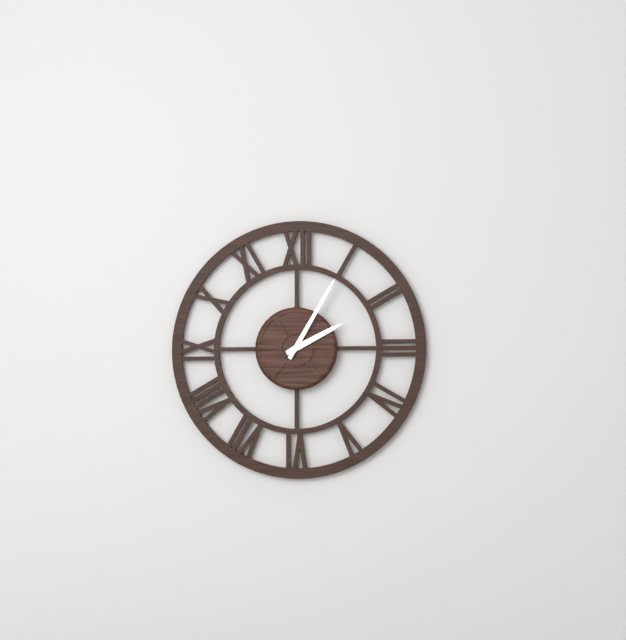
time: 2:05
